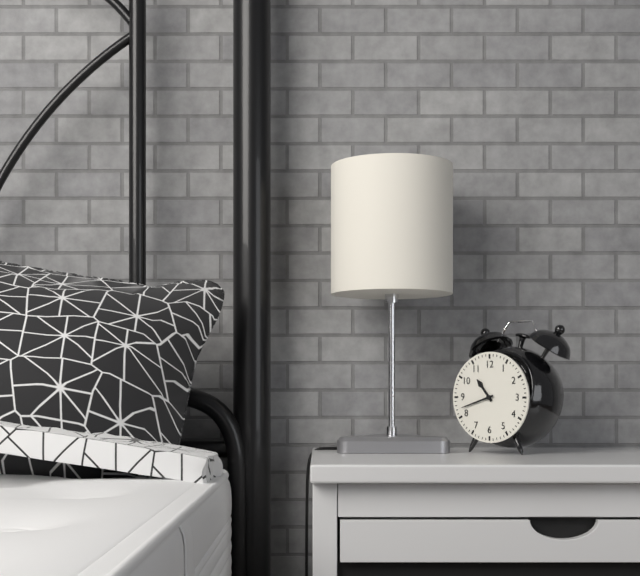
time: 10:42
